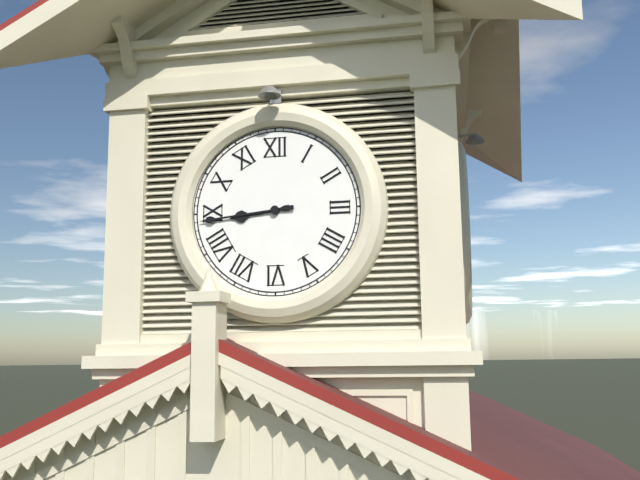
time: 8:44
